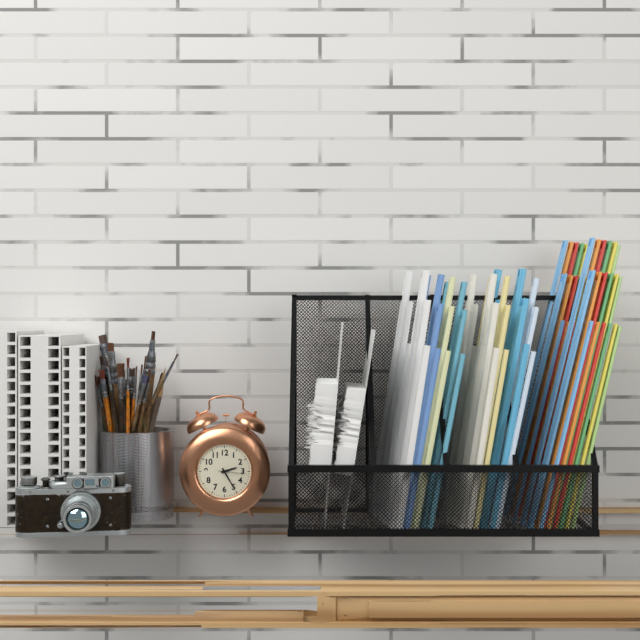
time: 2:25
